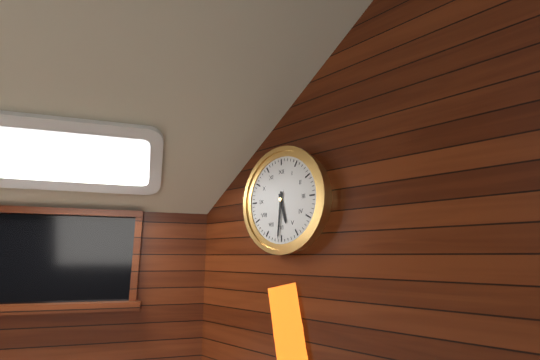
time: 5:31
